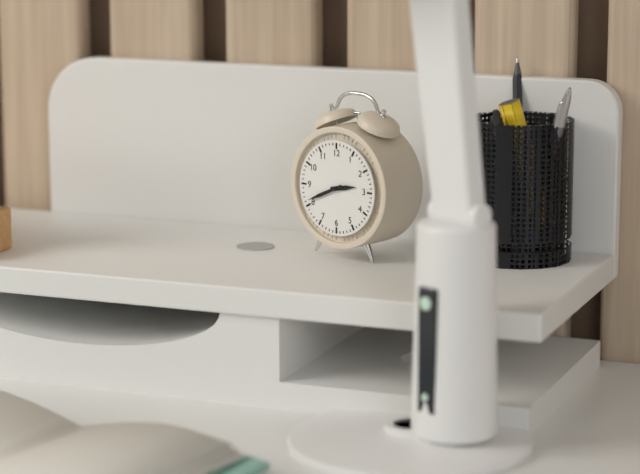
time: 2:41
